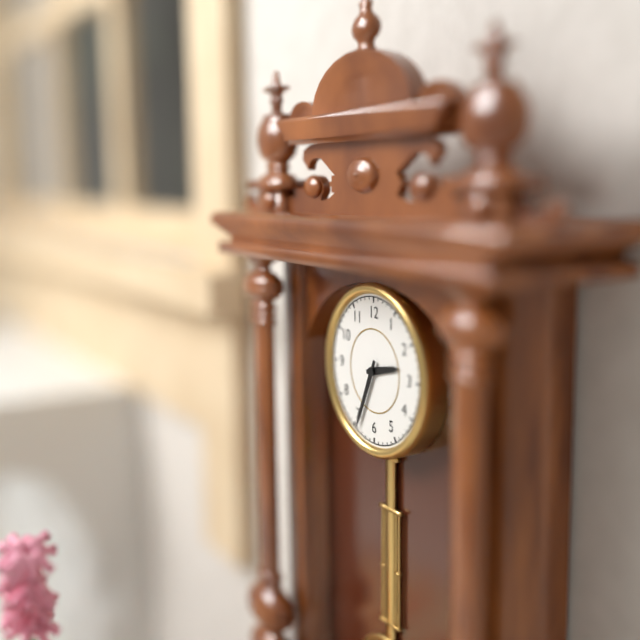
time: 2:34
